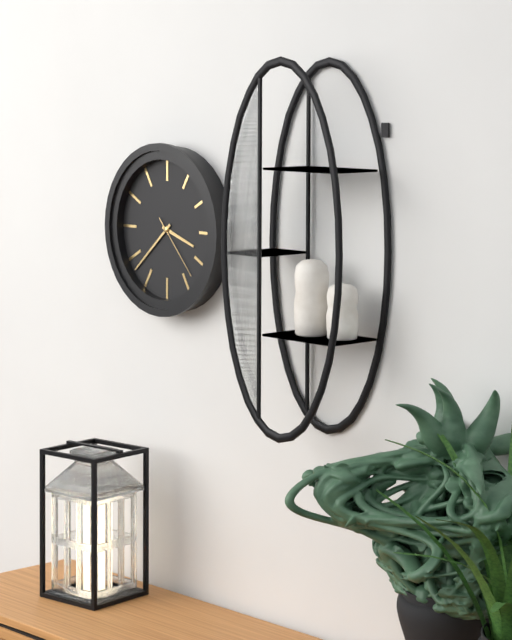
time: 3:38:23
